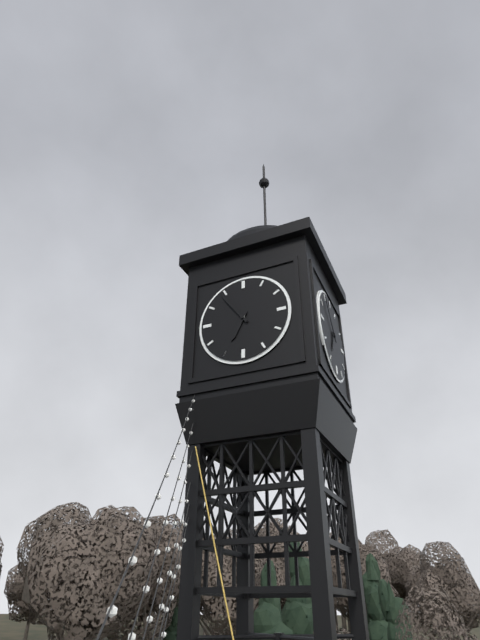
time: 6:54
